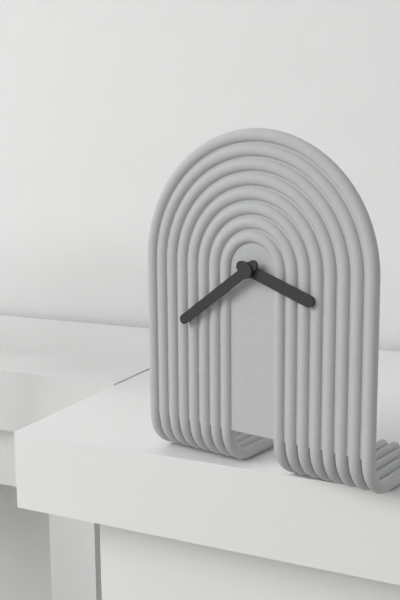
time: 3:39
